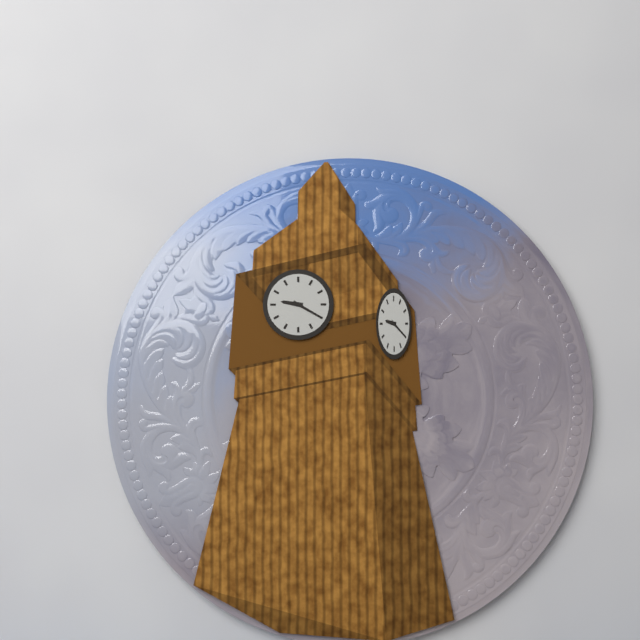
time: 9:20
